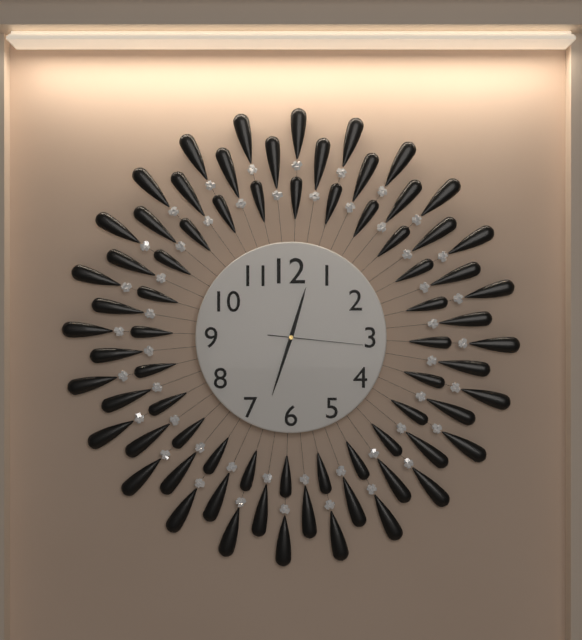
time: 12:33:16
